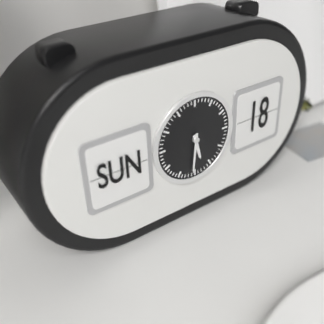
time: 5:31
